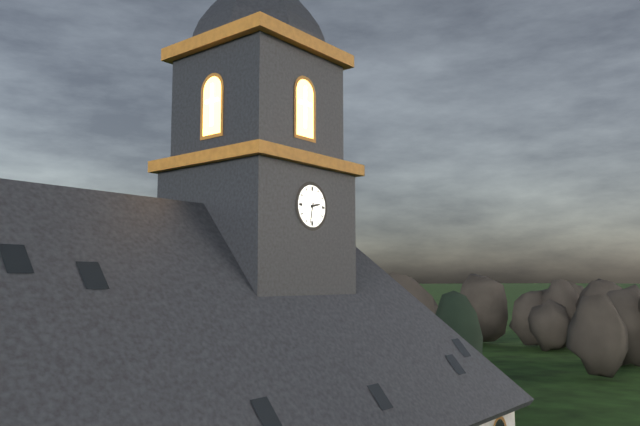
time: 2:32
